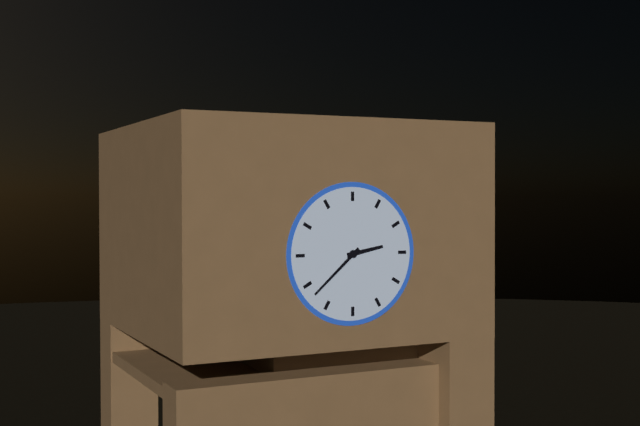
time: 2:38
